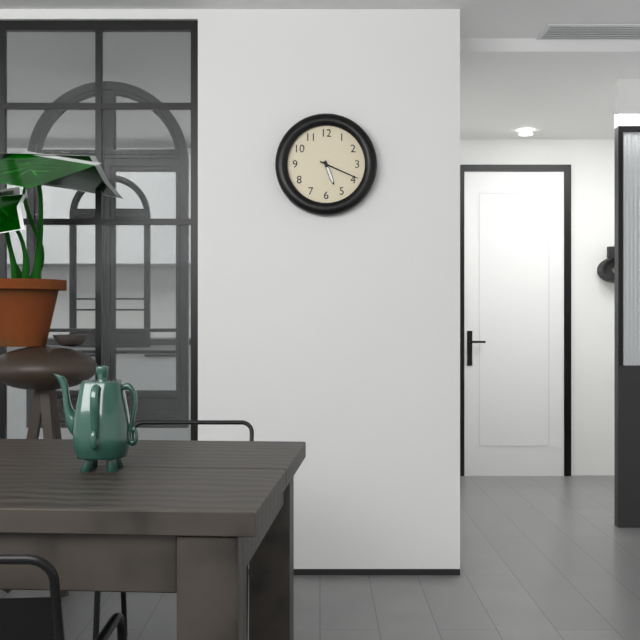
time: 5:19
